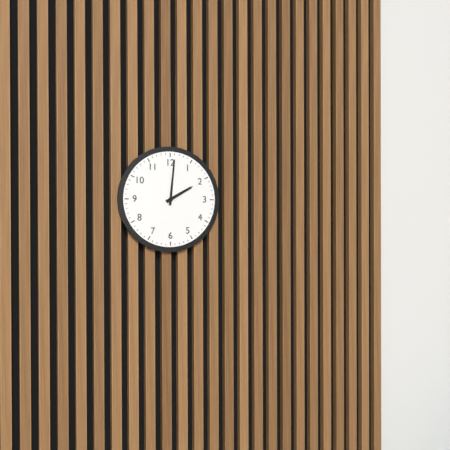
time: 2:01
